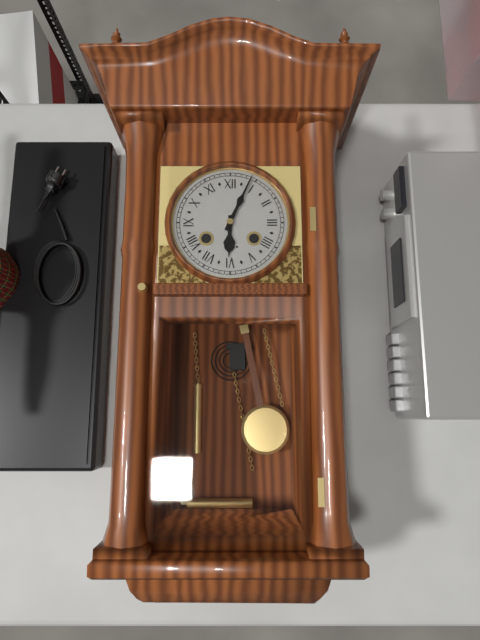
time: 6:04
